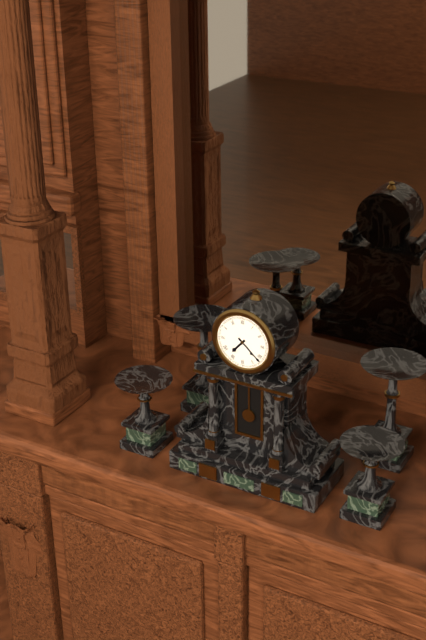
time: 7:22
